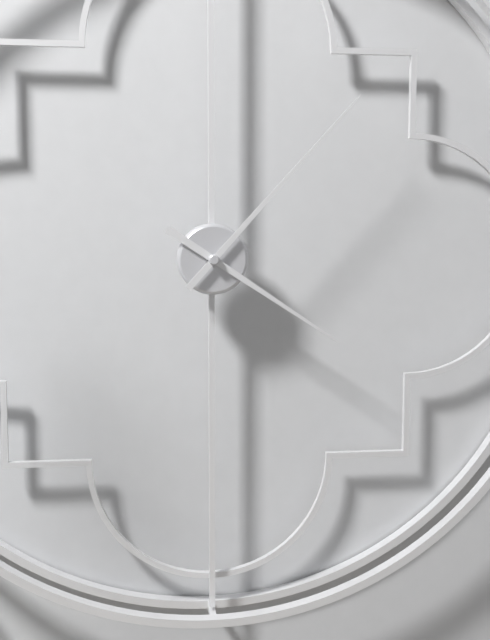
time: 4:07
